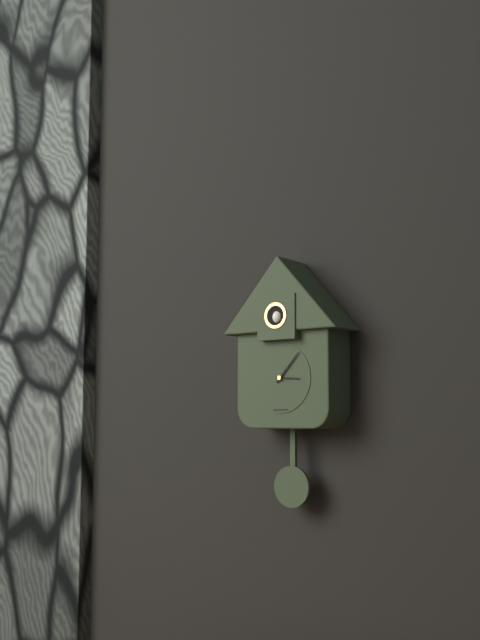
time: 3:07
